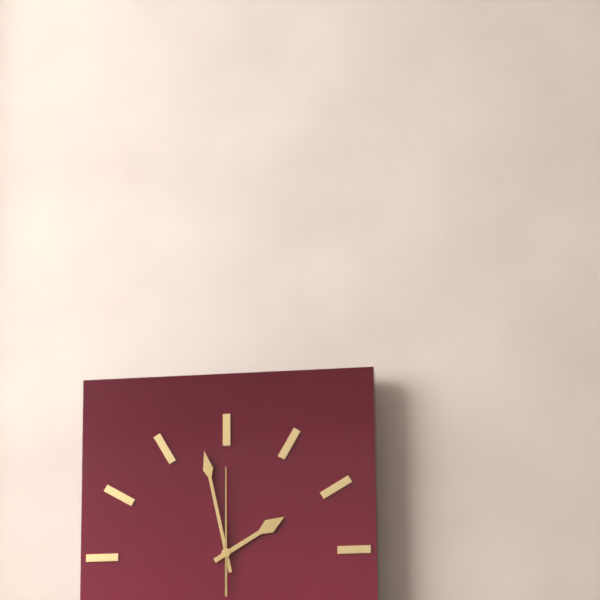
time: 1:58:00
